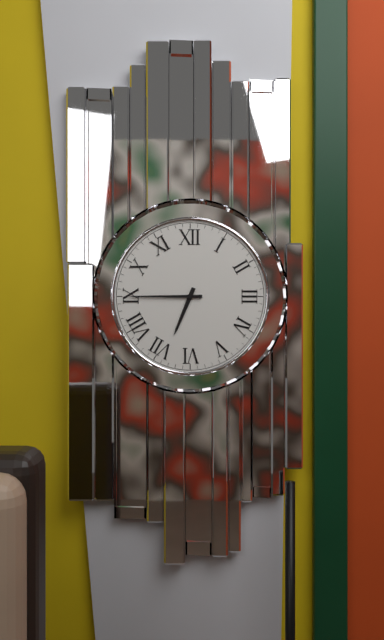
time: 6:45
